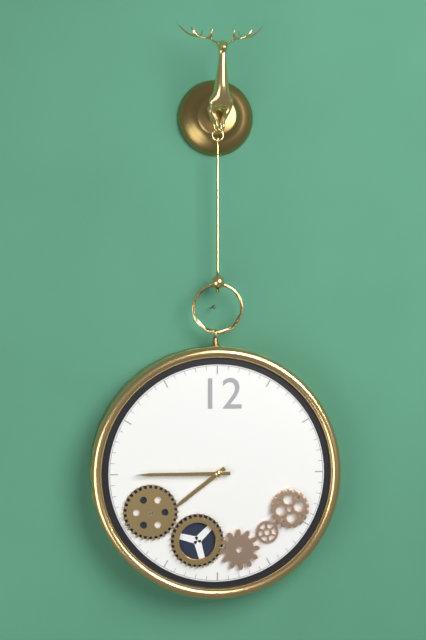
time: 7:45
